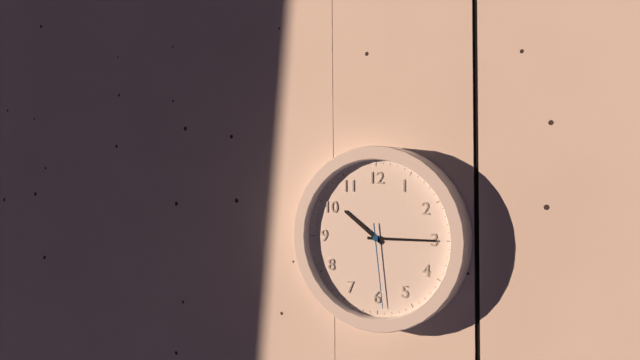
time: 10:15:29
